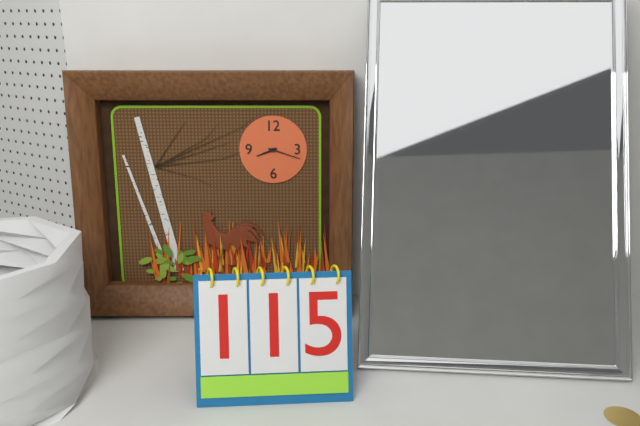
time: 8:18
